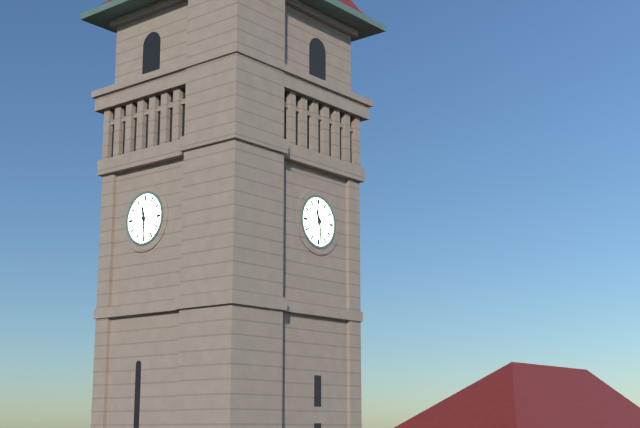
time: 11:29
